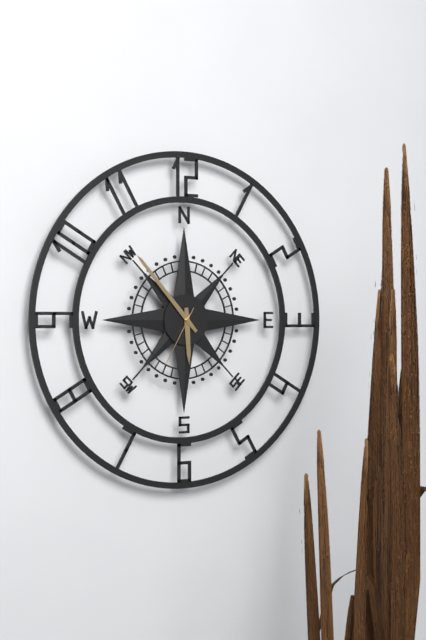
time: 5:53:35
